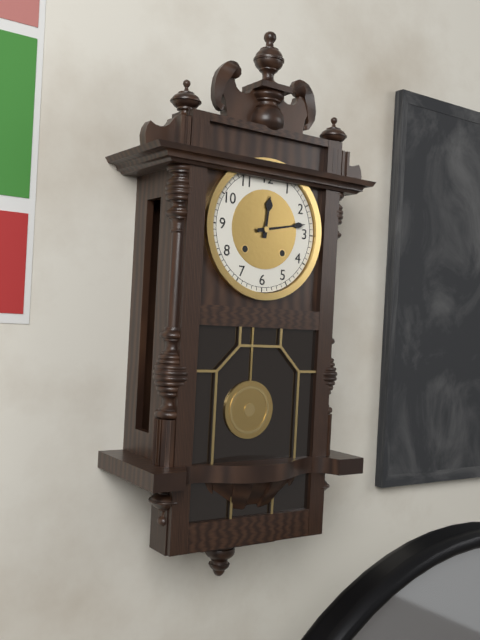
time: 12:13
